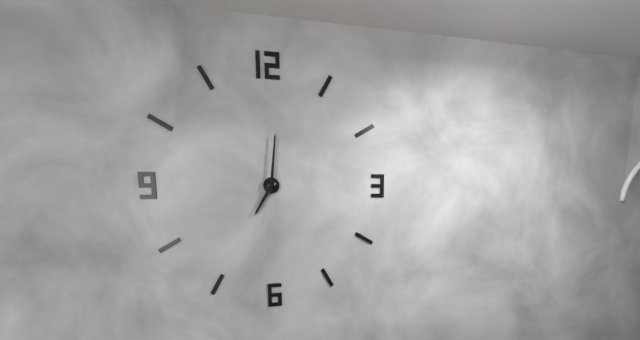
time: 7:01
